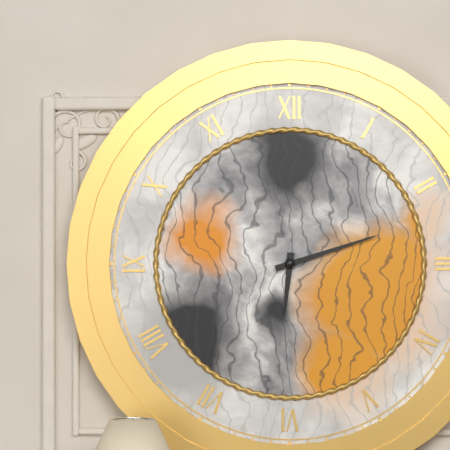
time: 6:12
